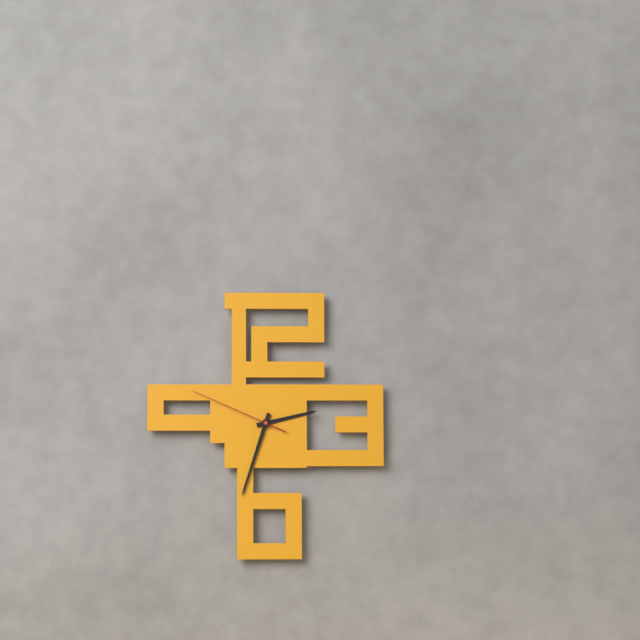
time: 2:33:49
